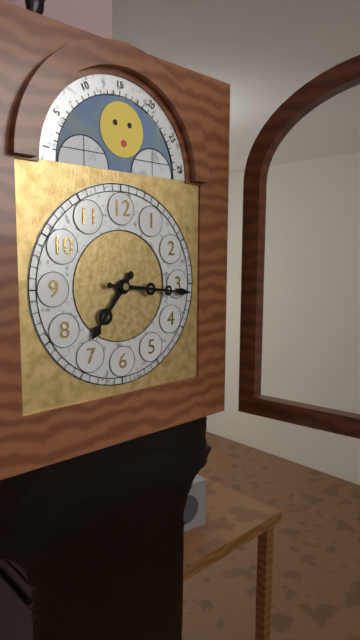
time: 7:16
